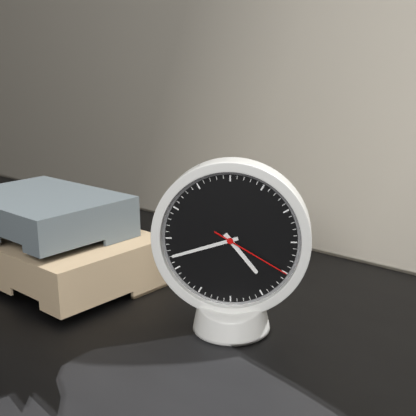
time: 4:42:20
